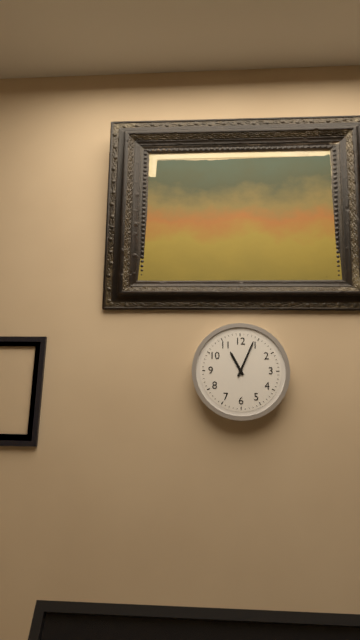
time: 11:04
